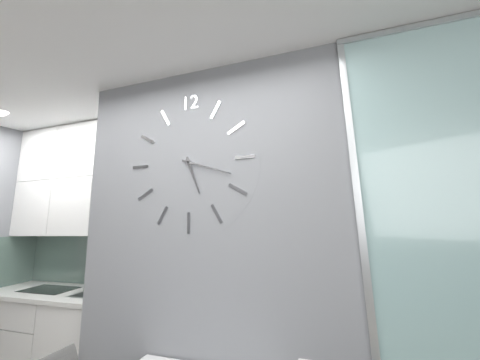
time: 5:18
